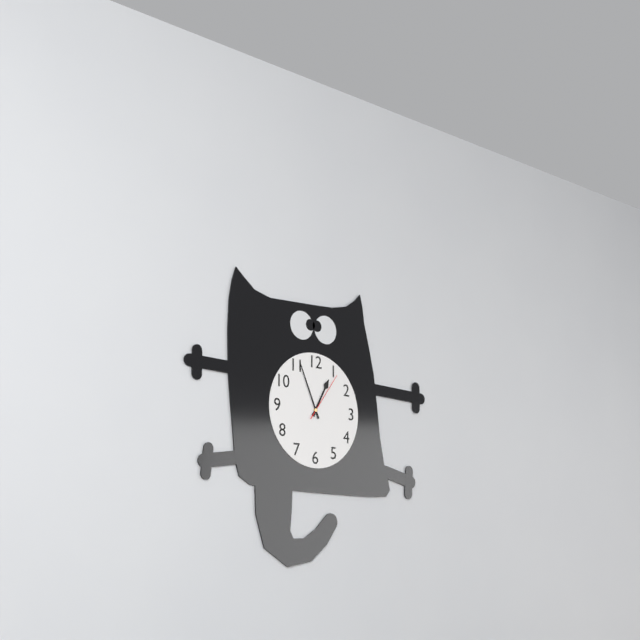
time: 12:56:06
